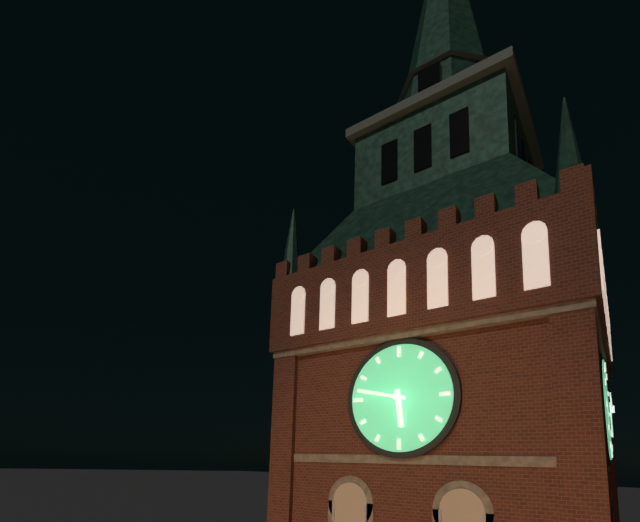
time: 5:47
